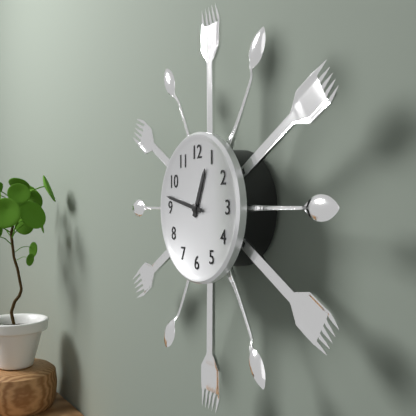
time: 12:47
